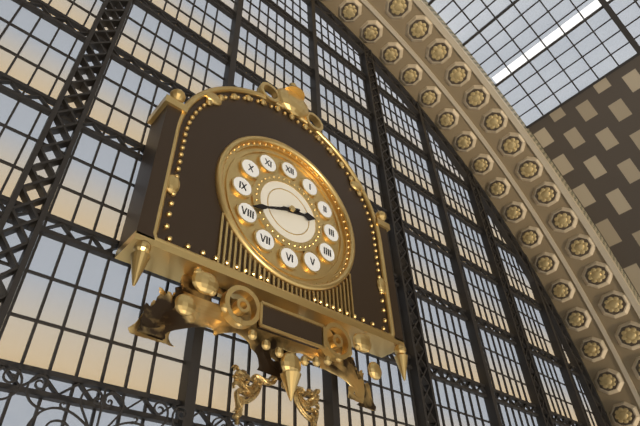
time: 2:41
